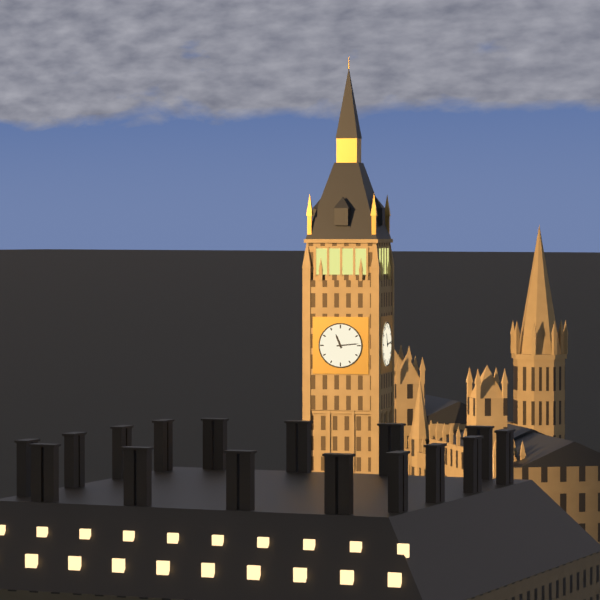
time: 11:14
